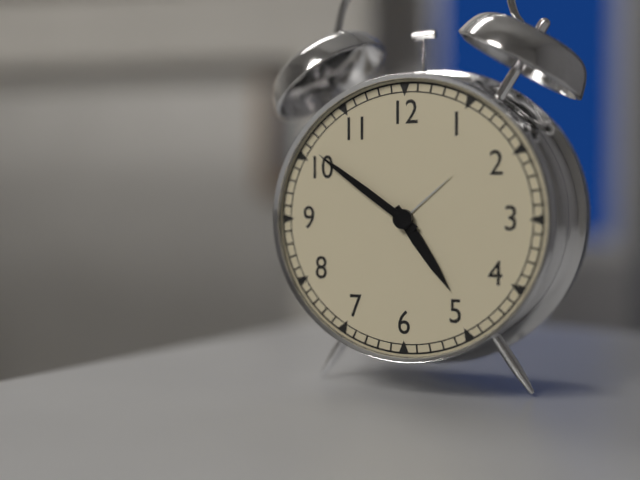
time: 4:51
